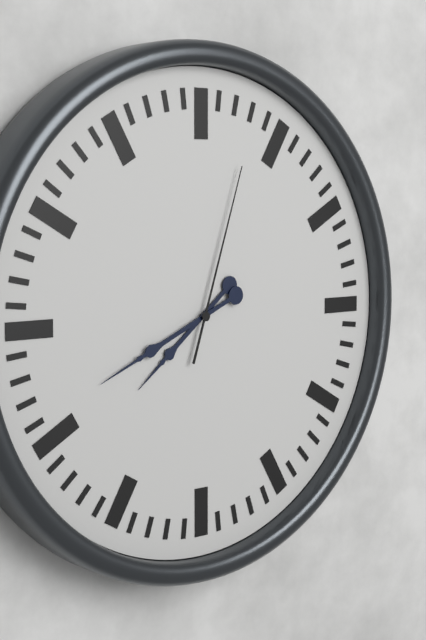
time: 7:41:03
